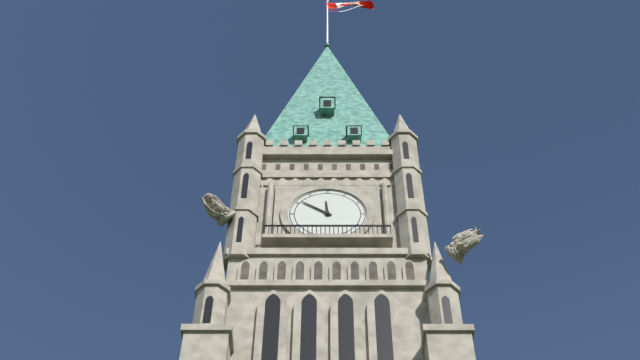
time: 11:51
